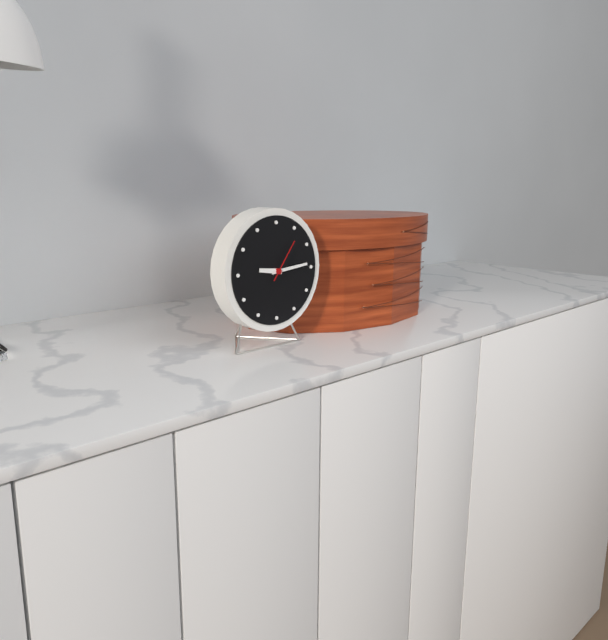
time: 9:14
